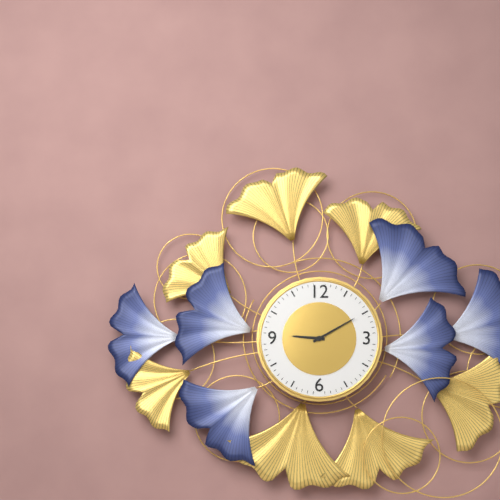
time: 9:10
